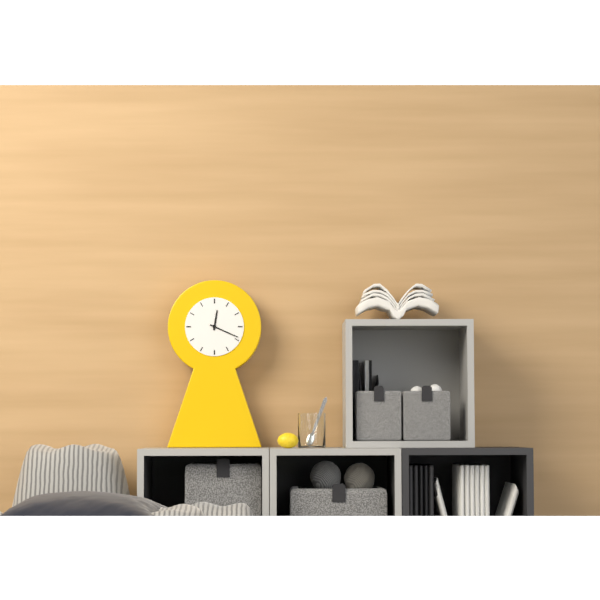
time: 12:19
